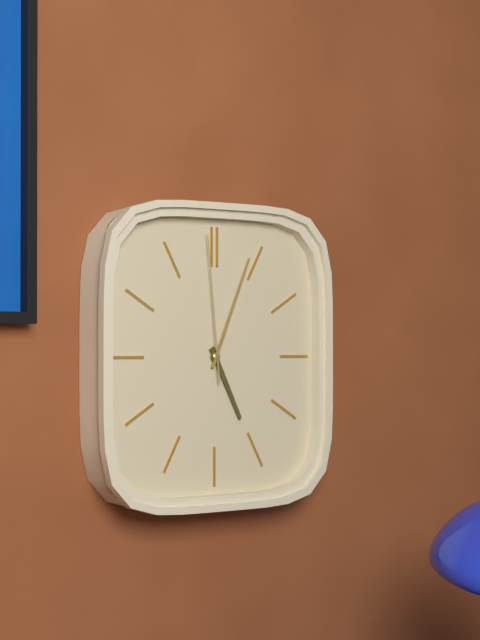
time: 5:04:59
